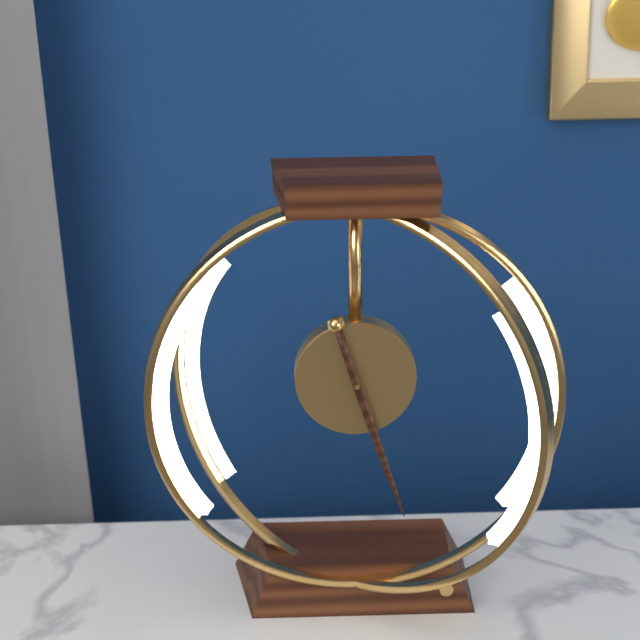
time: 5:27
